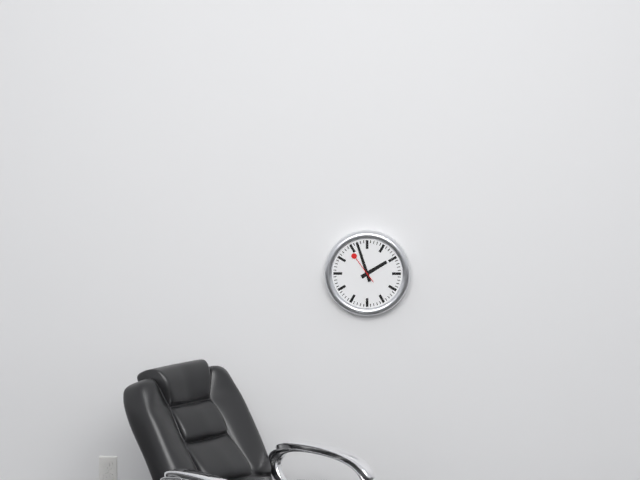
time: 1:57
